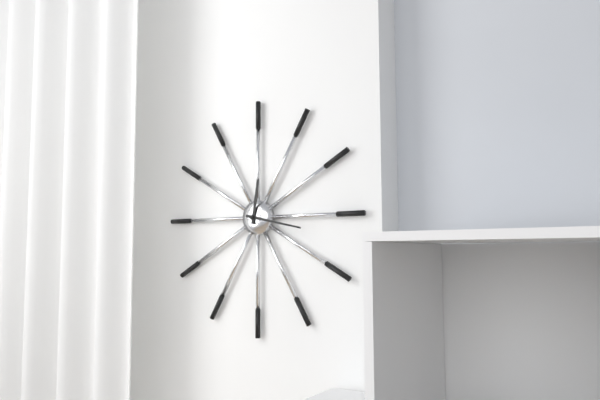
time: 12:17
